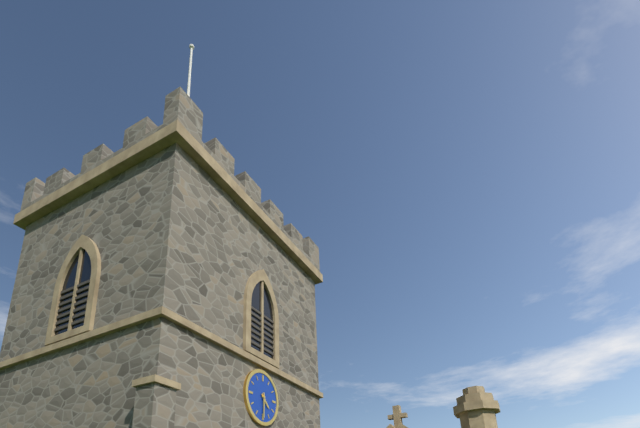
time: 4:30
